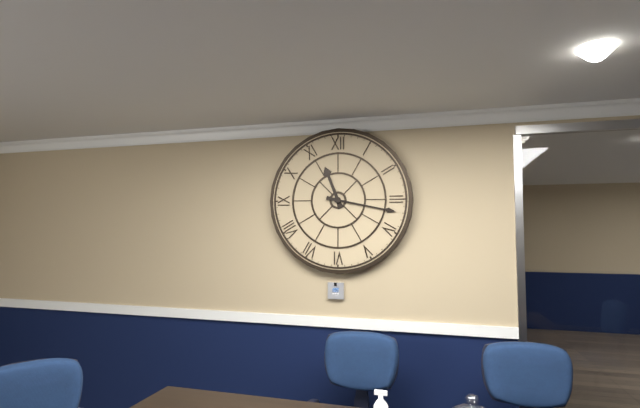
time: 11:17
